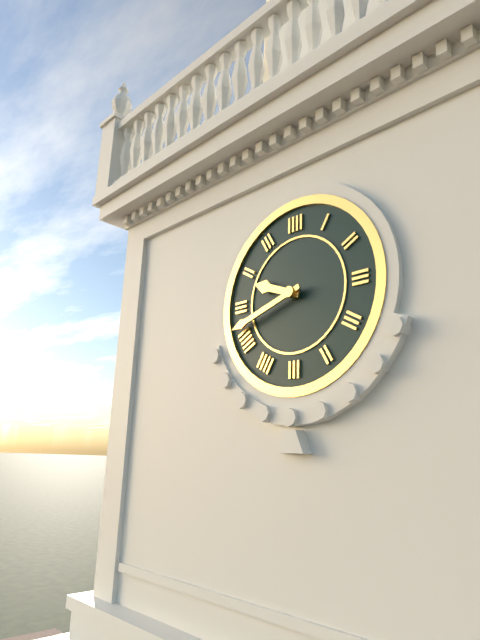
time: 9:42
